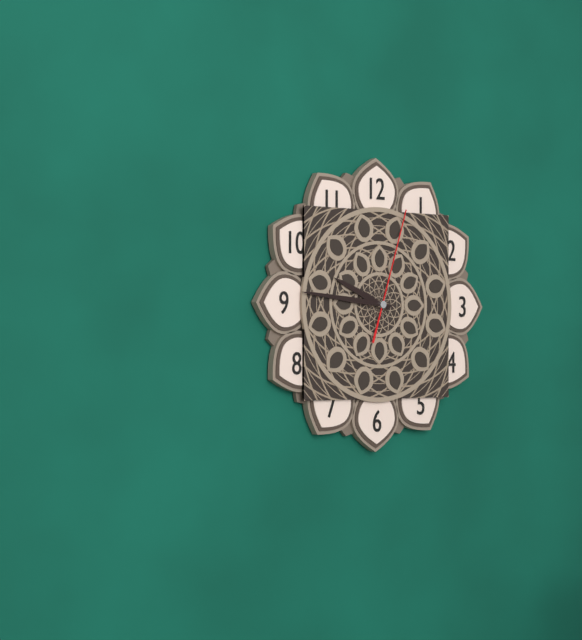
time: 9:46:03
